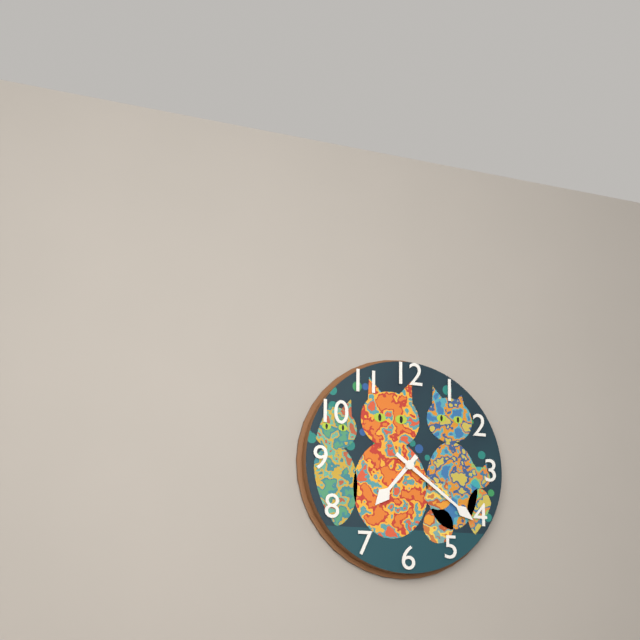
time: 7:21
